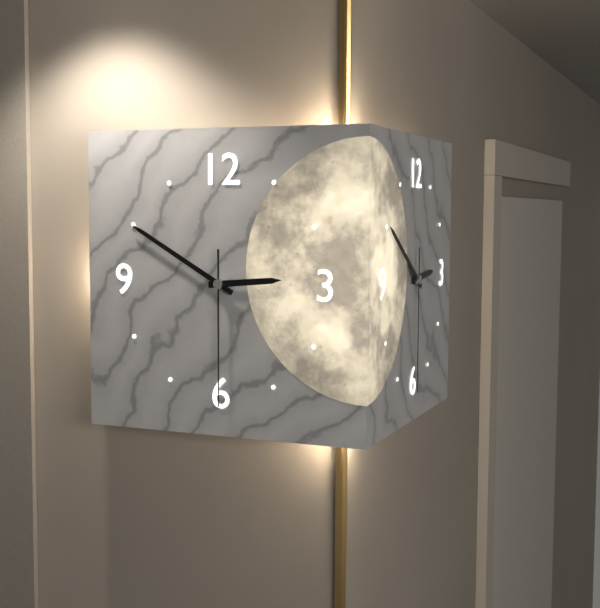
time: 2:50:30
